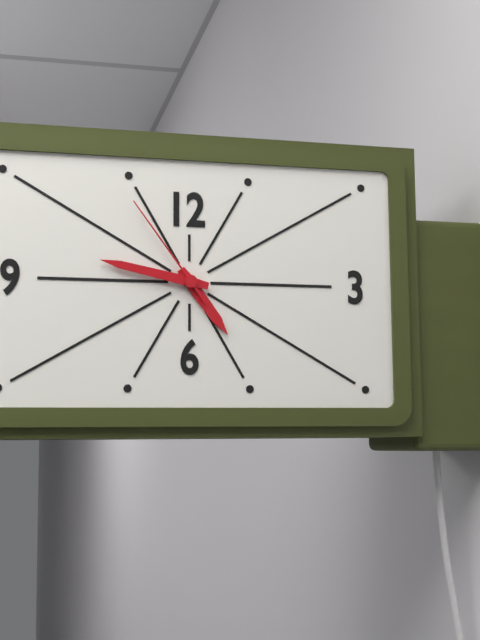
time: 4:47:54
